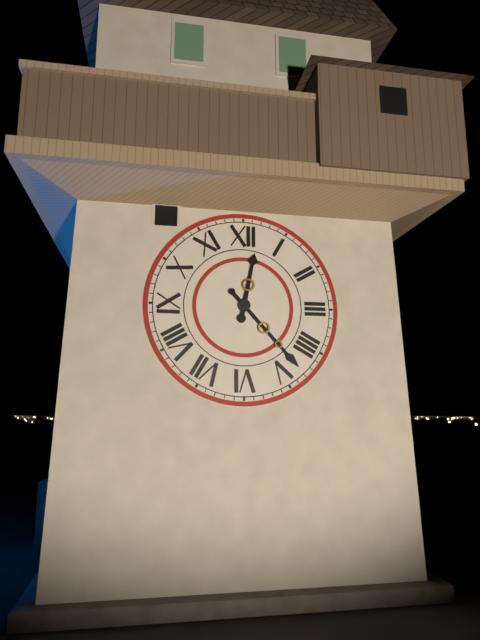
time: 12:23
